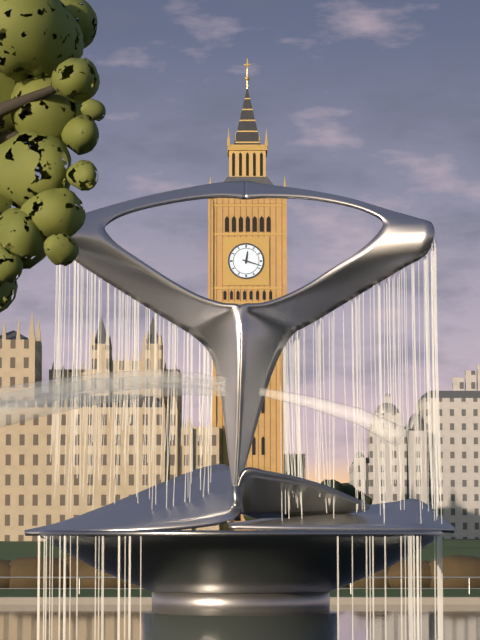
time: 12:18
